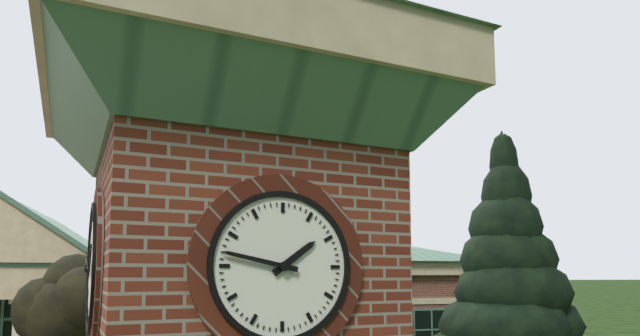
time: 1:47
